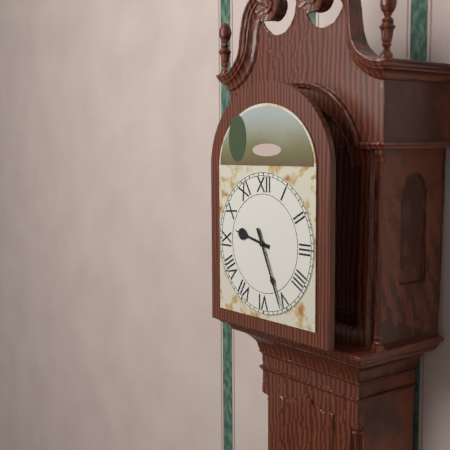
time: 9:26
